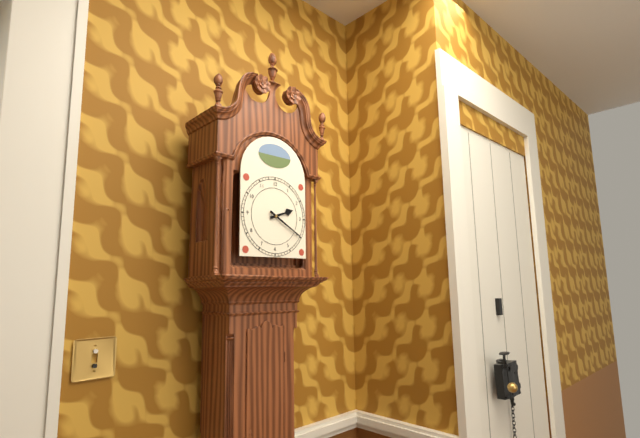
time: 2:20
